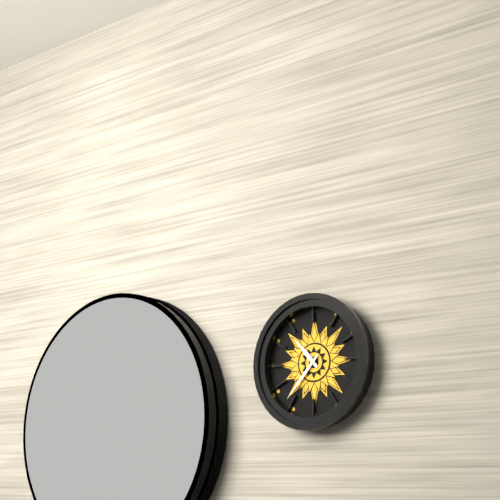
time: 10:37
